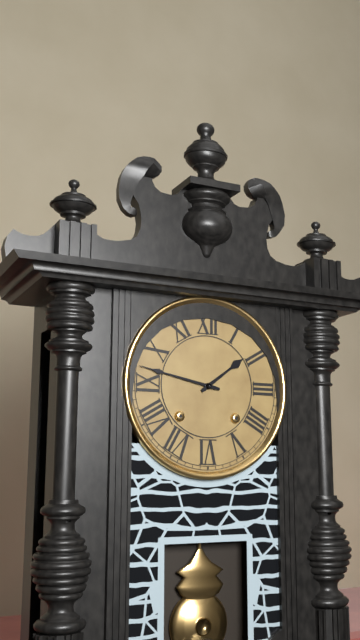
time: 1:47
